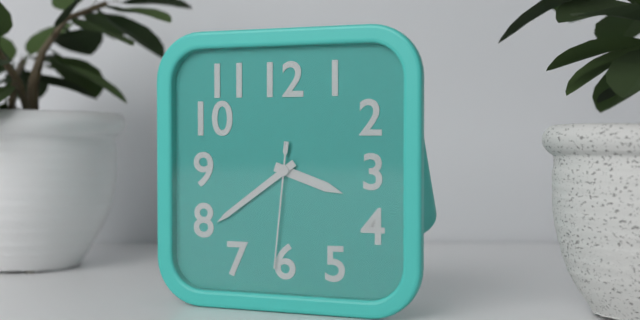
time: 3:39:31
